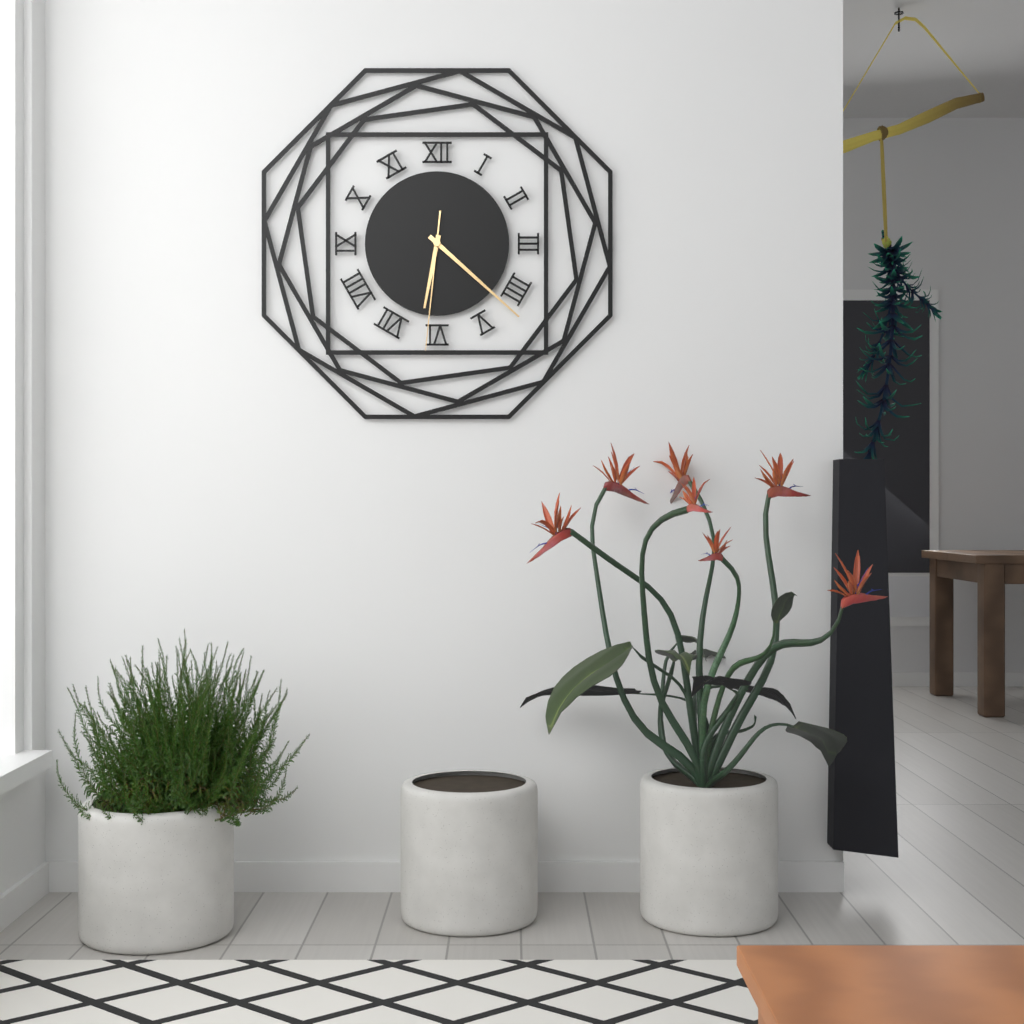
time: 6:22:31
